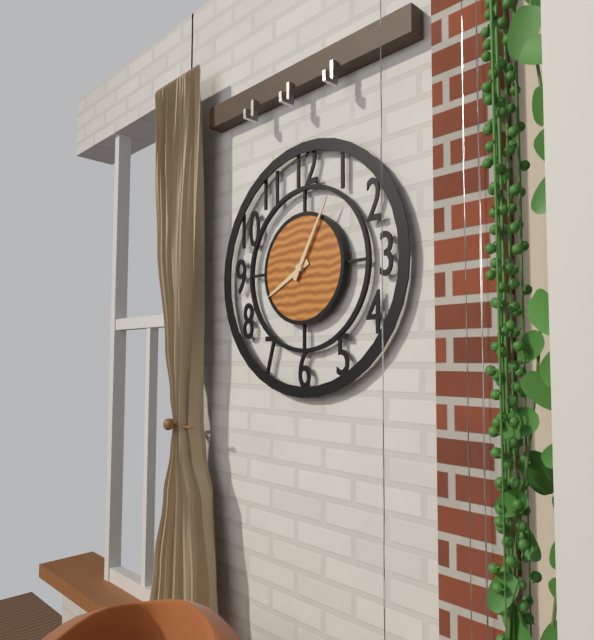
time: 8:05
